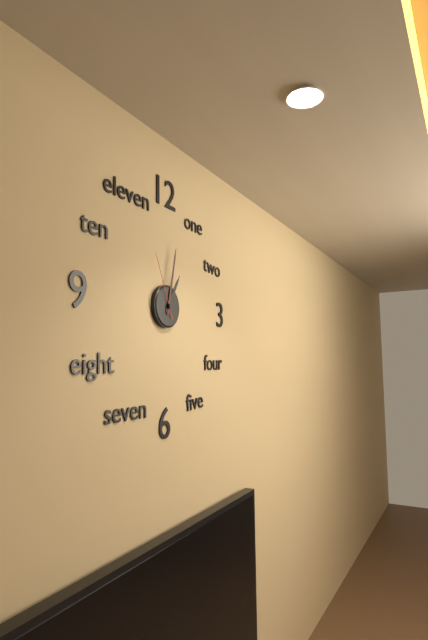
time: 1:02:56
